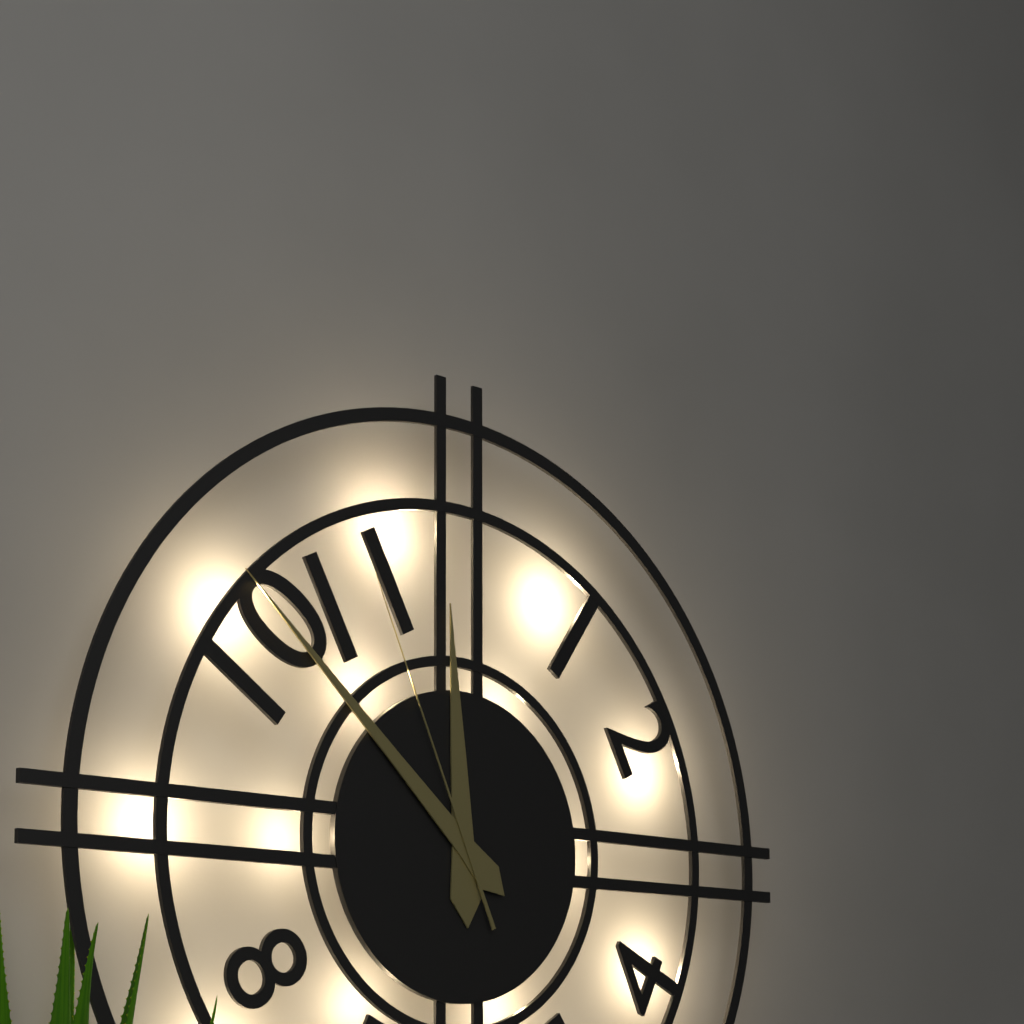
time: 11:52:56
